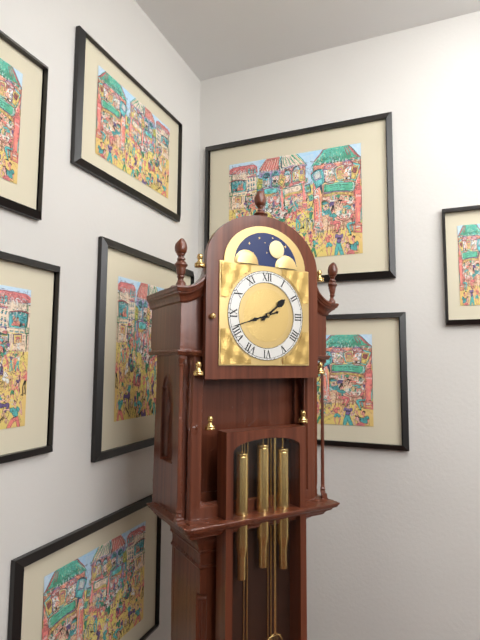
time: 1:42
